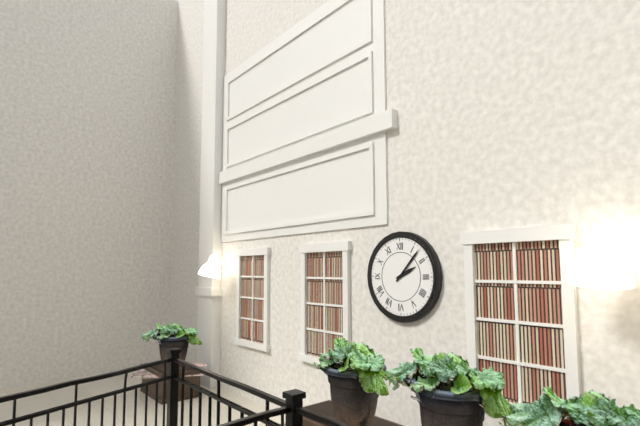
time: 2:07
